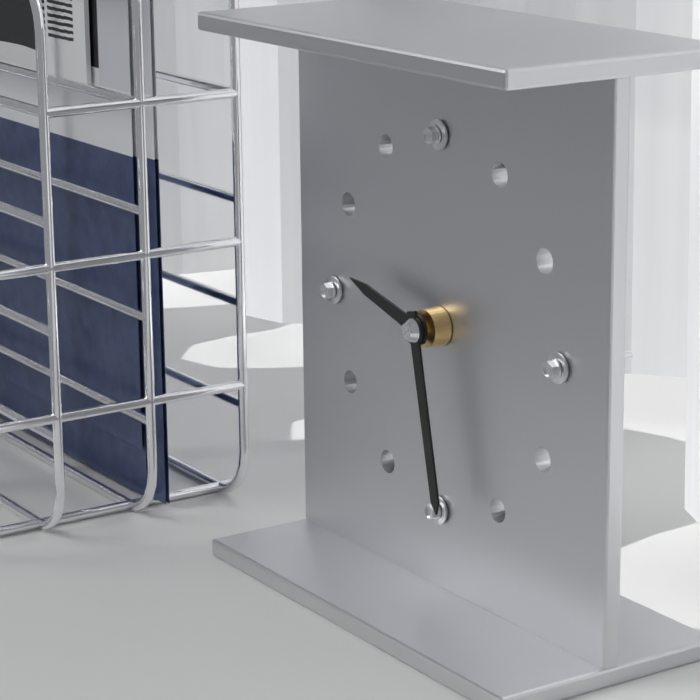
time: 9:28
